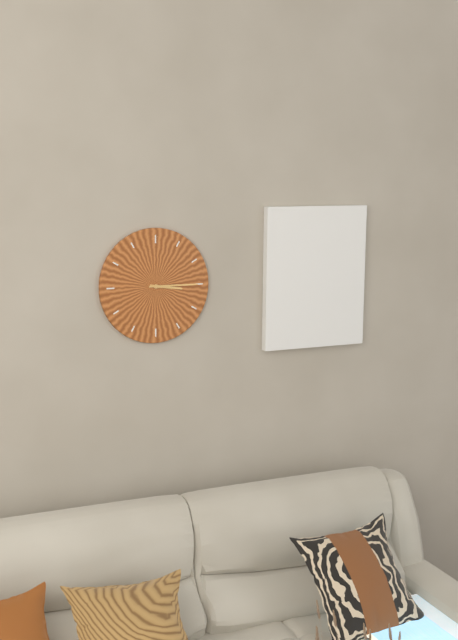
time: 3:15
